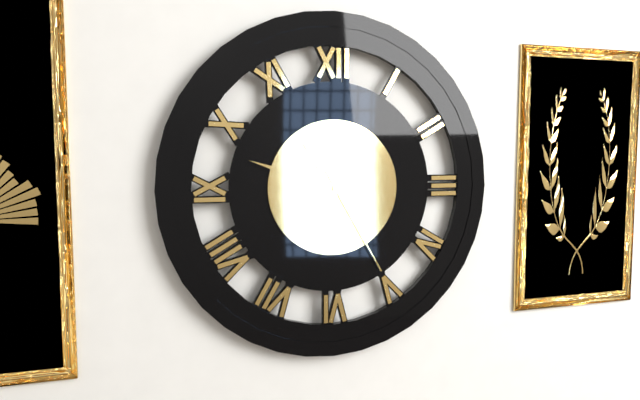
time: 10:48:25
